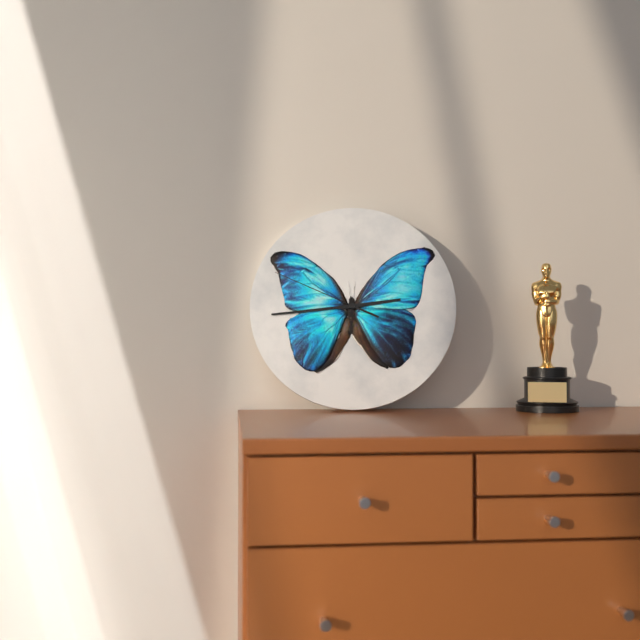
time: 2:44:49
